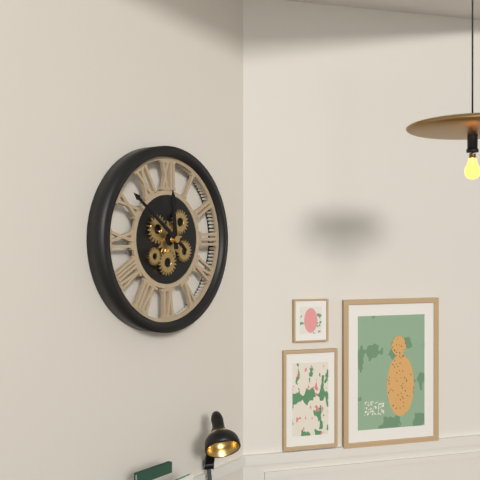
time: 11:51
